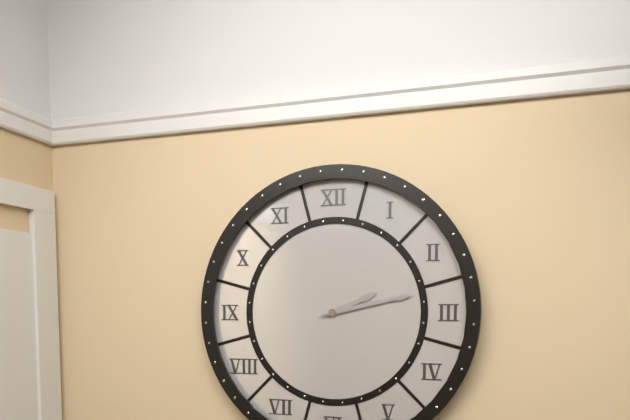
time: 2:13
